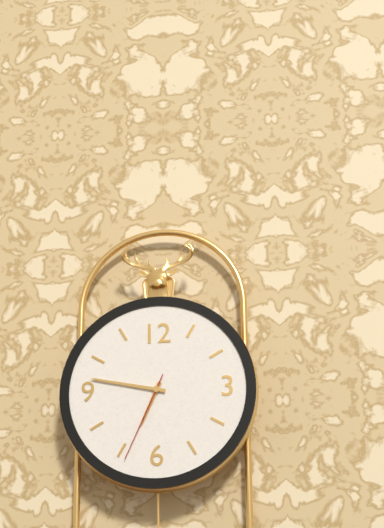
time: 6:47:34
